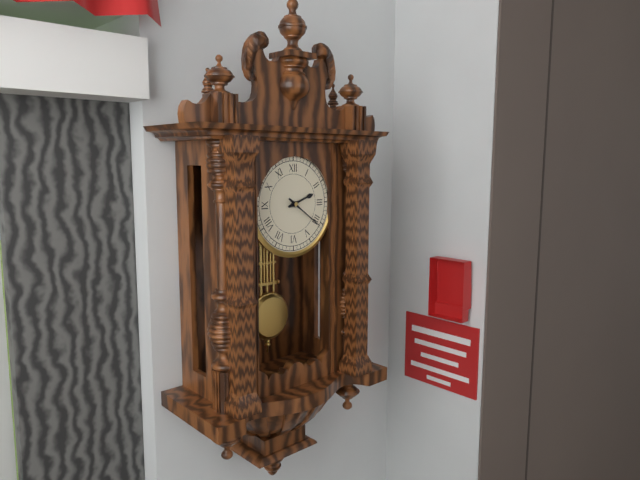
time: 2:21
